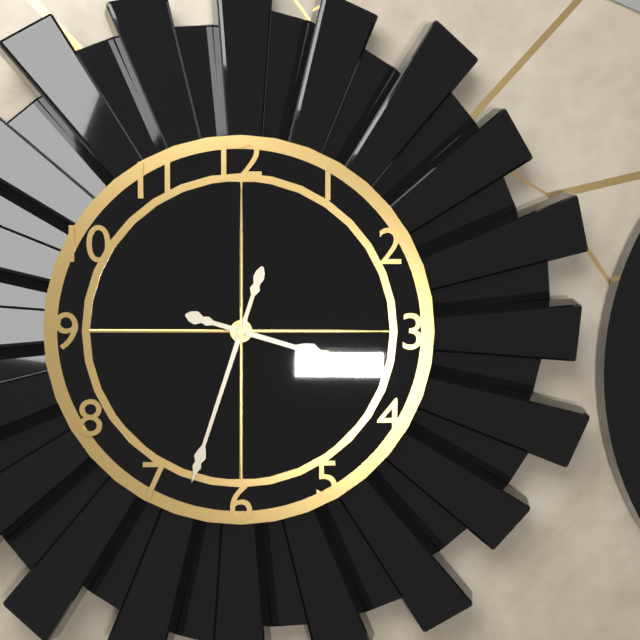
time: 3:33:30
